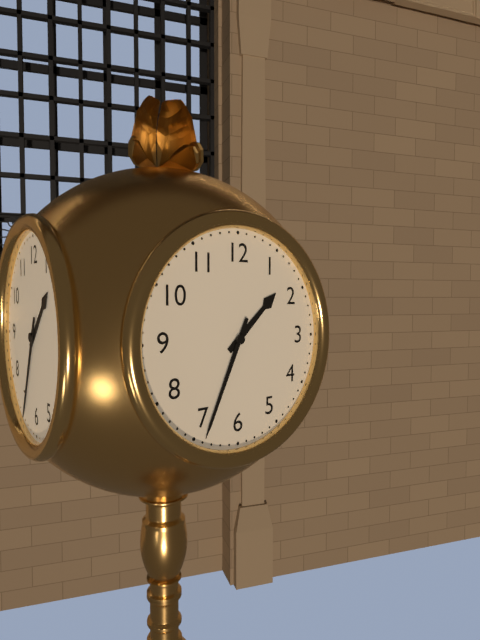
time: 1:34
